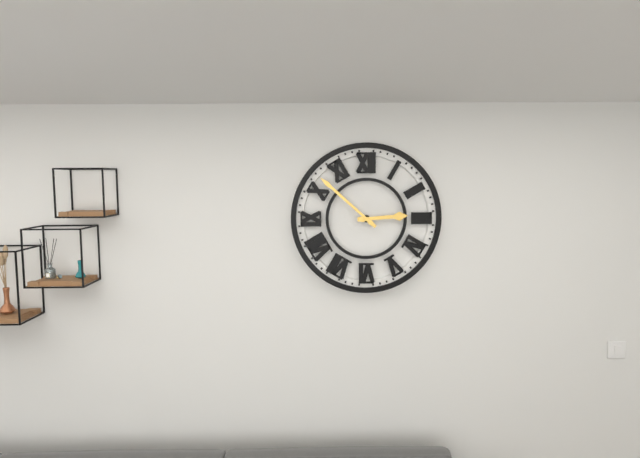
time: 2:52
